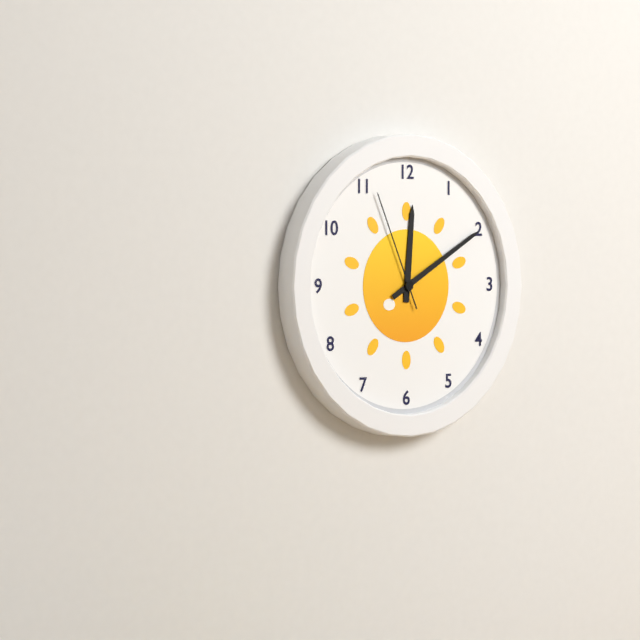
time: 12:10:56
